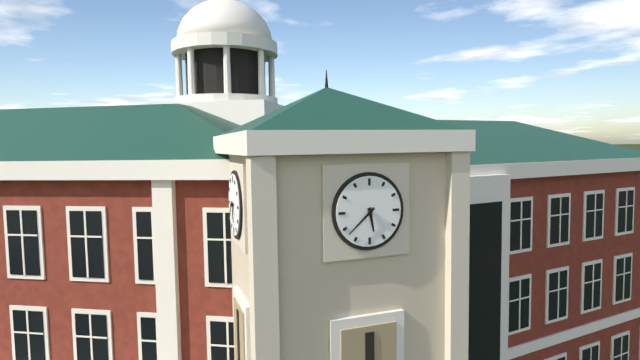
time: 5:38
